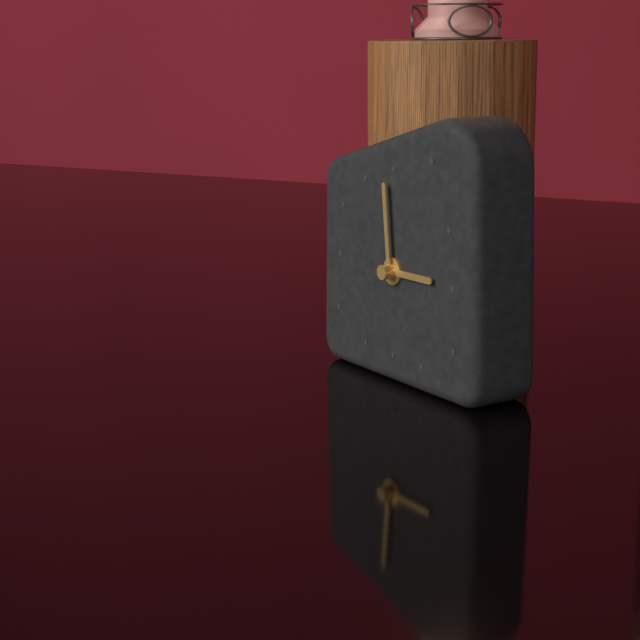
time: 2:59
